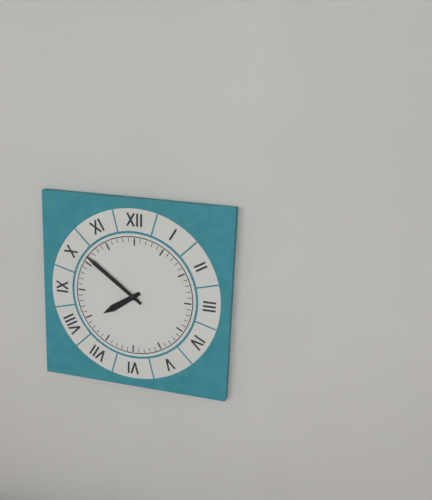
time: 7:51
